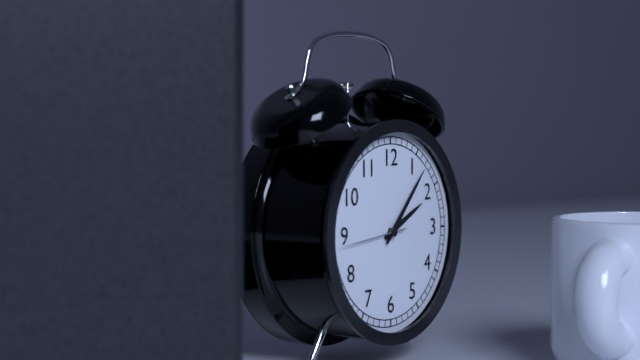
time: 2:07:44
